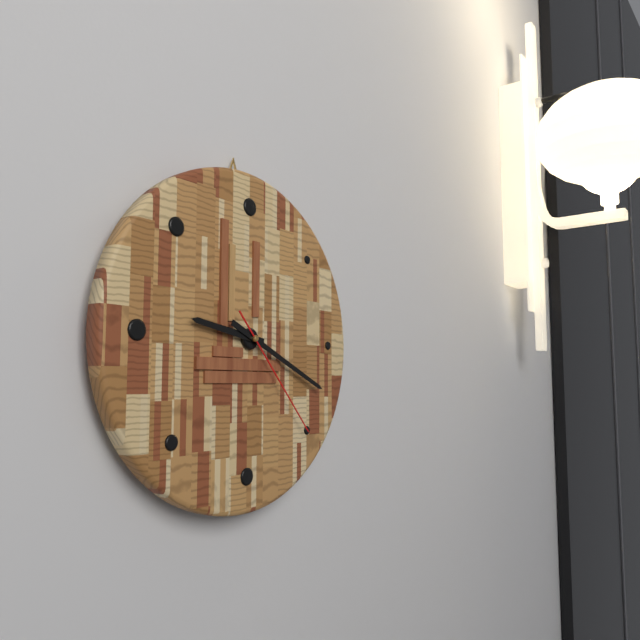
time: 9:19:23
